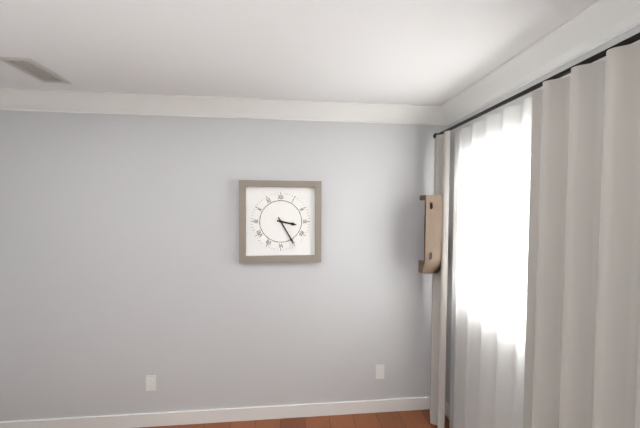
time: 3:25
